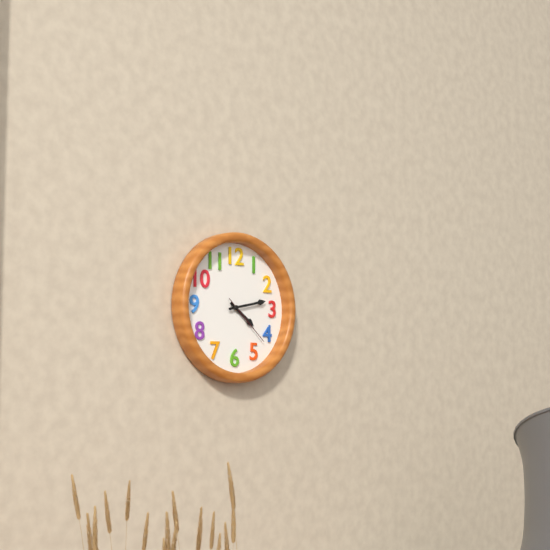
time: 4:13:22
